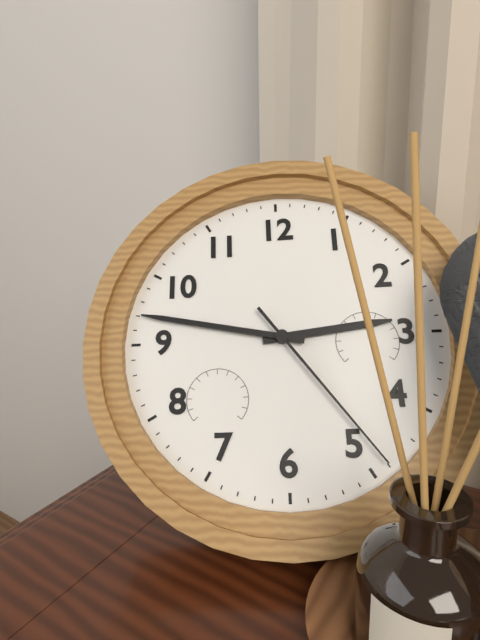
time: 2:47:24
